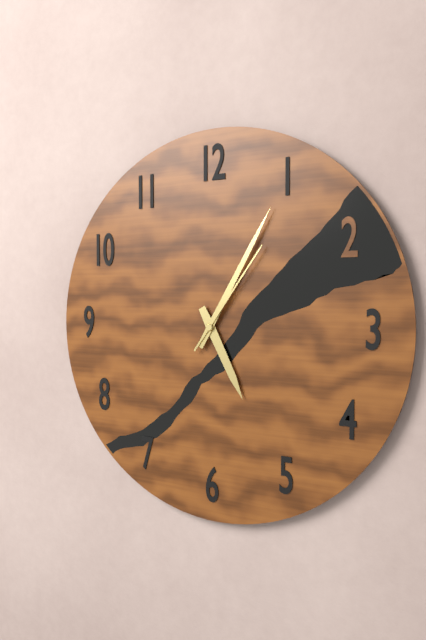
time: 5:05:06
